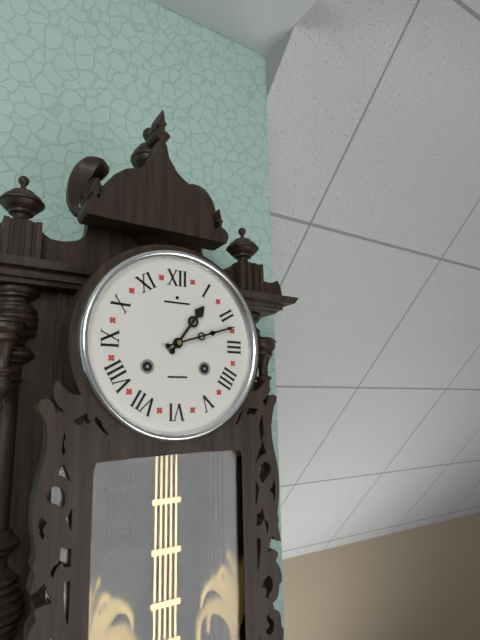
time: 1:12
